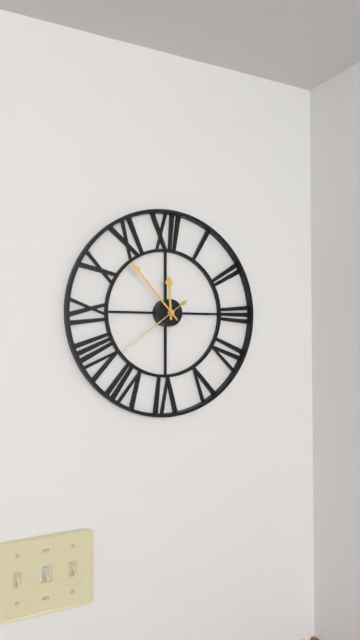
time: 11:53:39
